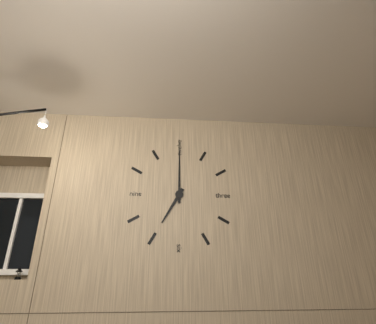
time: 7:00
